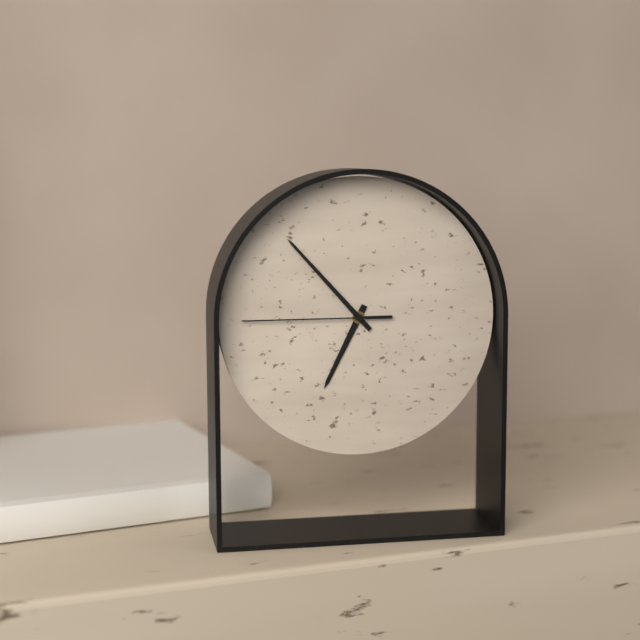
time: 6:53:45
